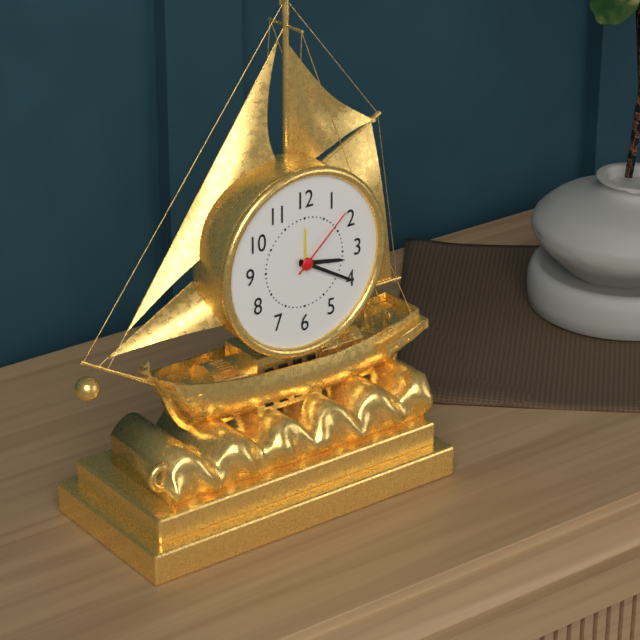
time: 3:20:08
